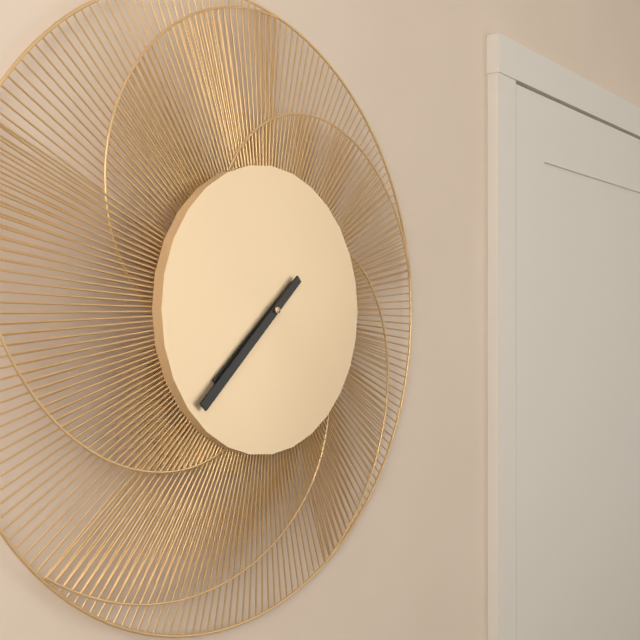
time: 7:38
